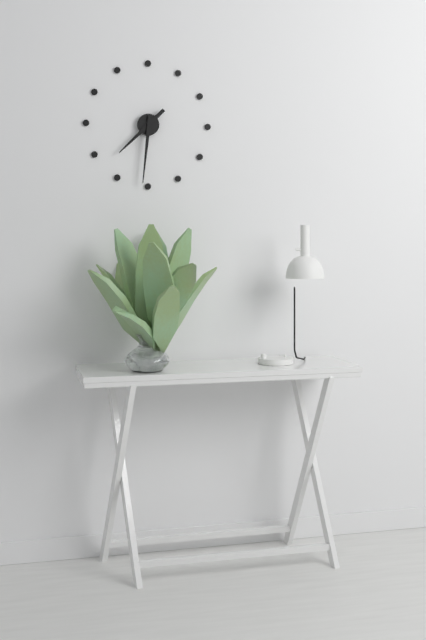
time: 7:31
